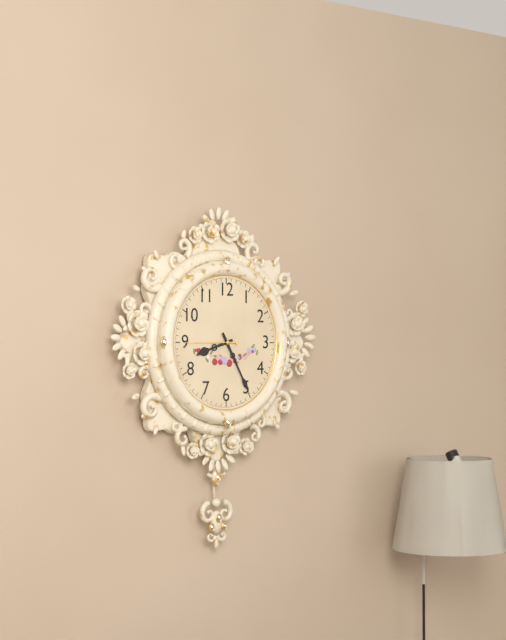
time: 8:25:45
